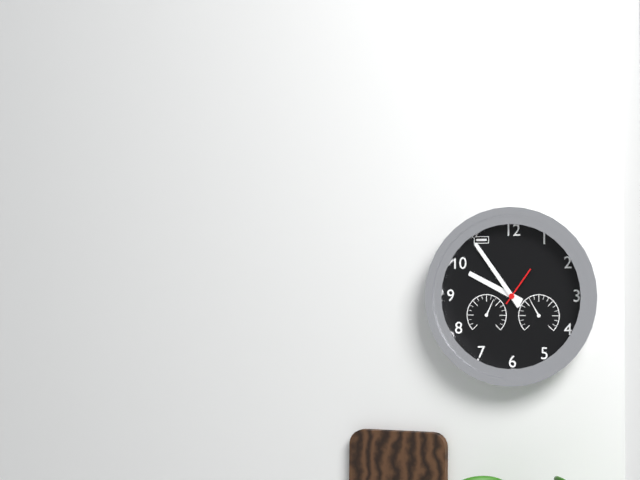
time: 9:54
